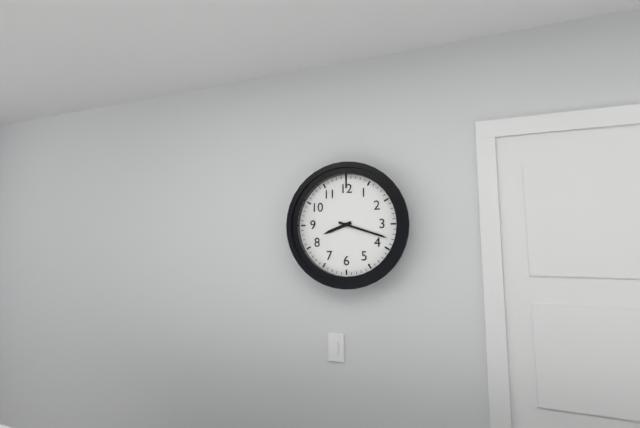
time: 8:18
